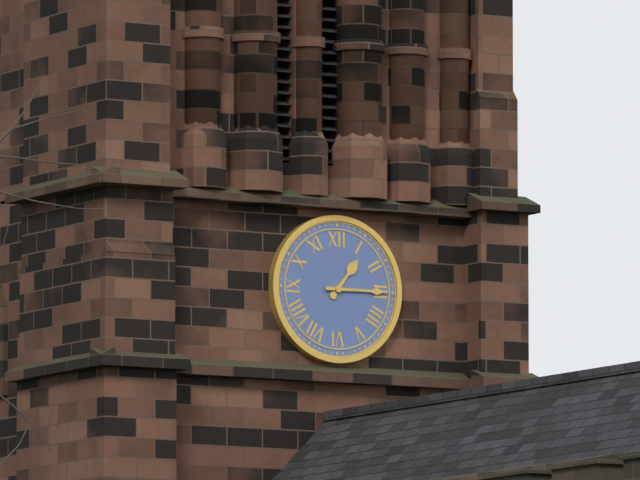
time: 1:15
